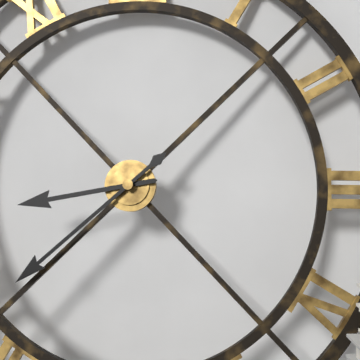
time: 8:38
